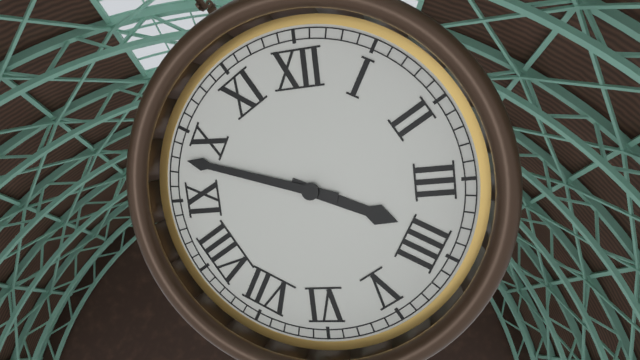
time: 3:48
